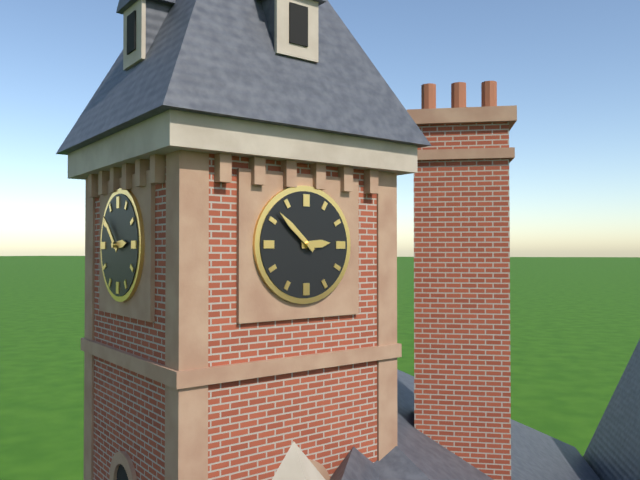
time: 2:52
